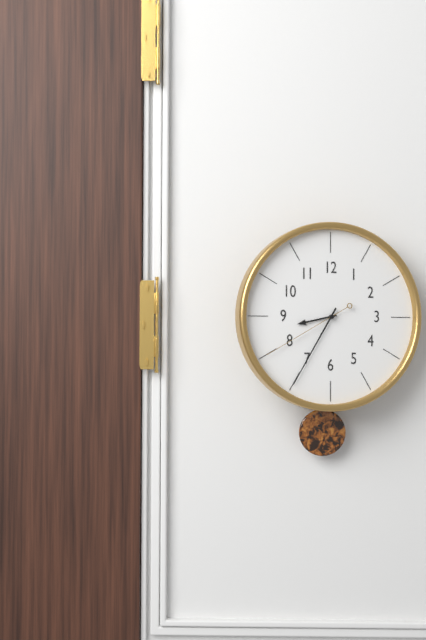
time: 8:35:40
